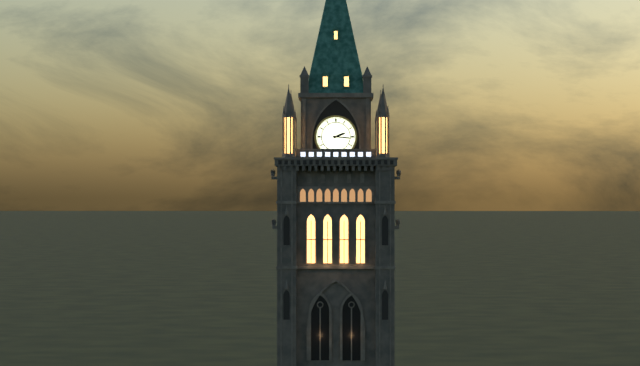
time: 2:16
